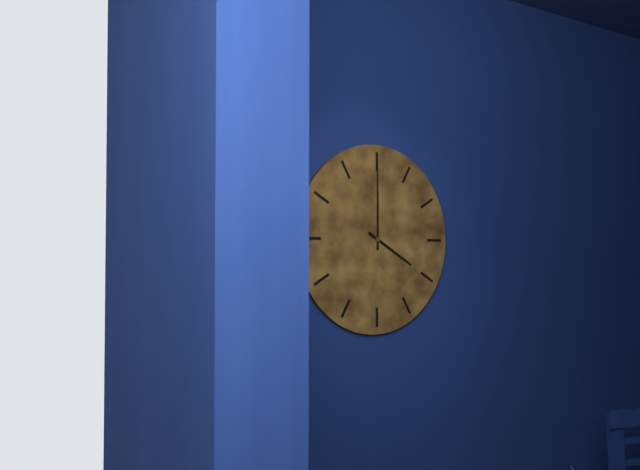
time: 4:00
